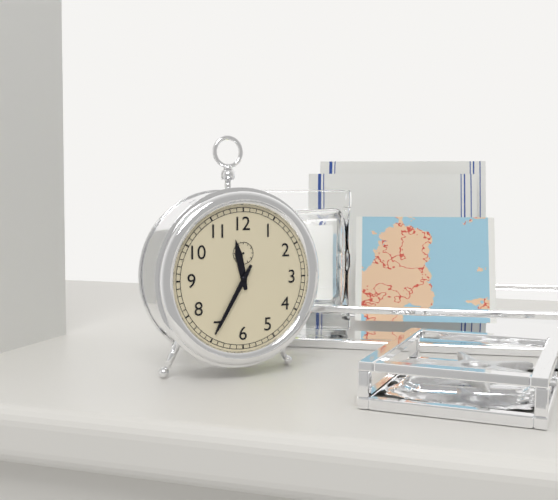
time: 11:35
